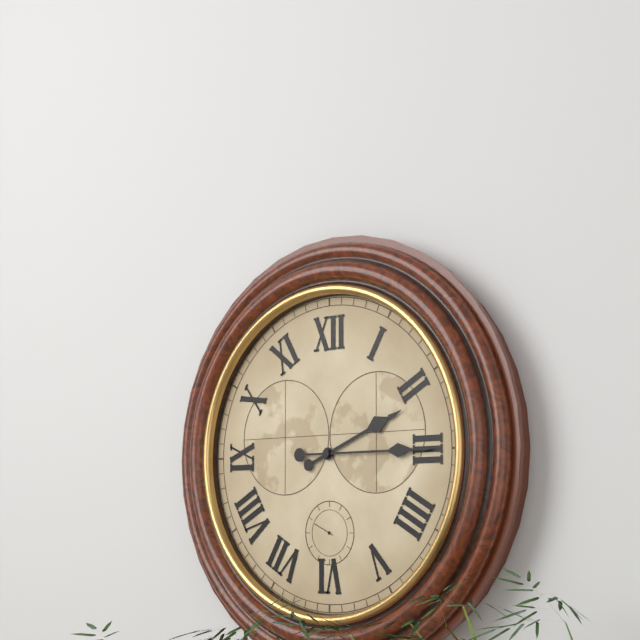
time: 2:15
